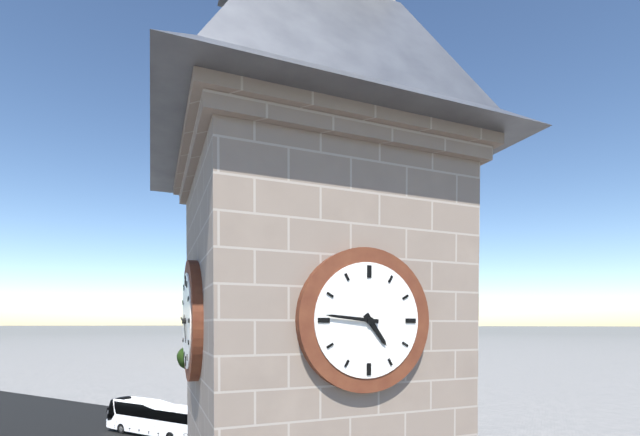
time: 4:46
